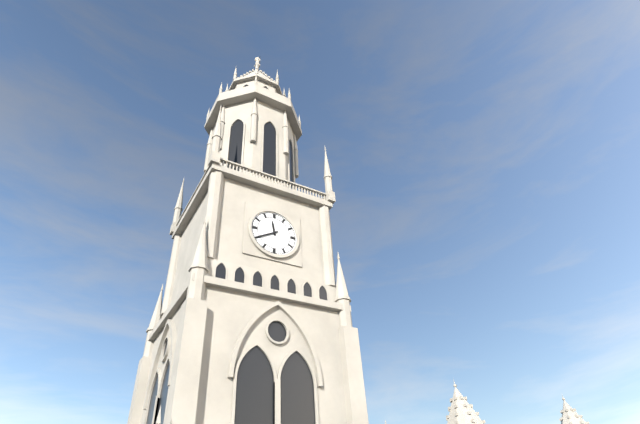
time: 11:40
